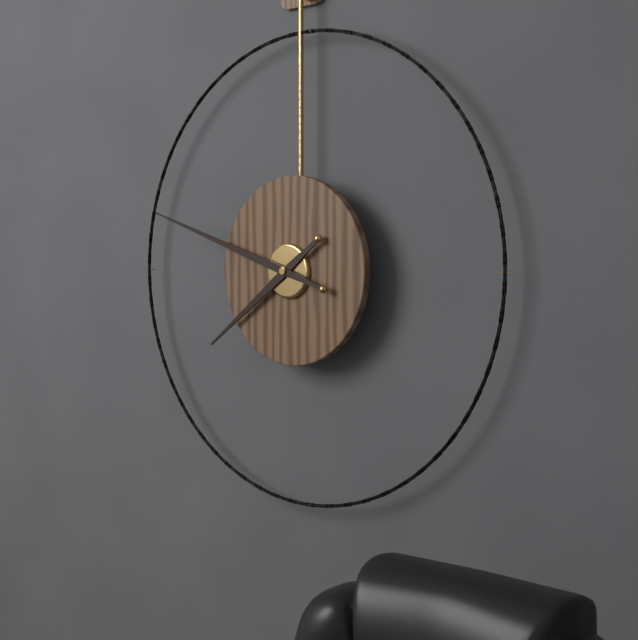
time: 7:48
